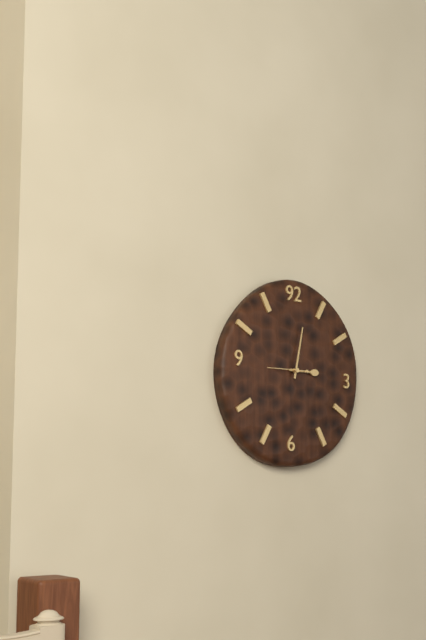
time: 3:02
